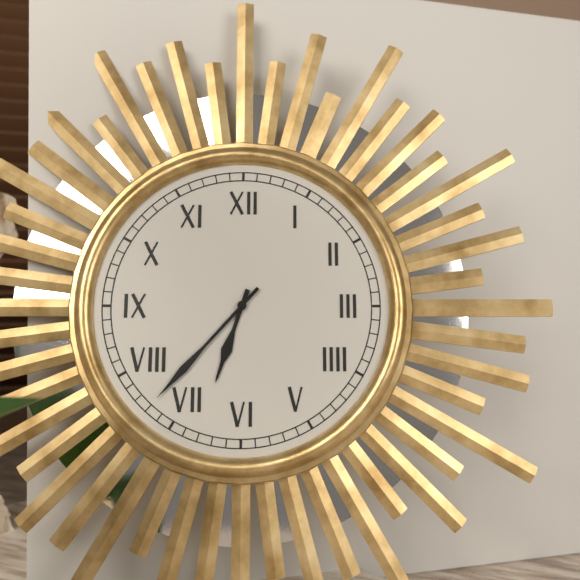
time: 6:37
